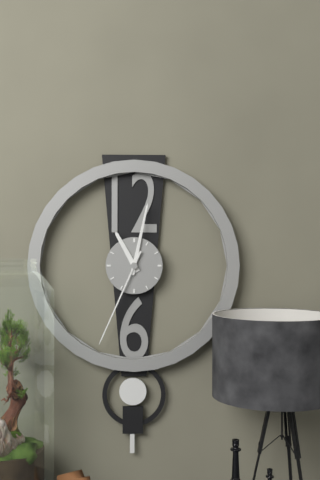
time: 11:02:34
